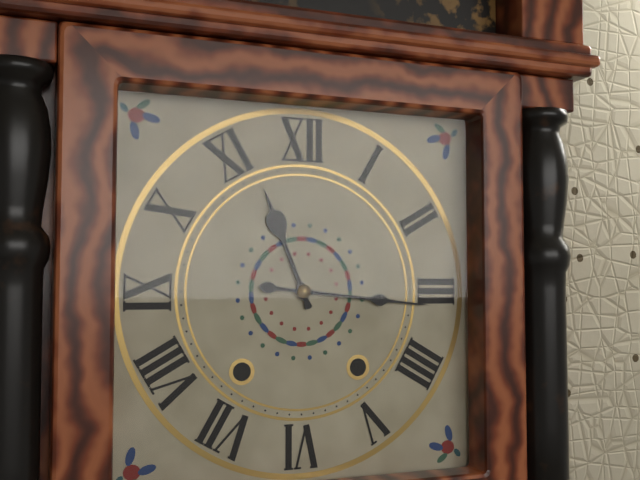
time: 11:16
